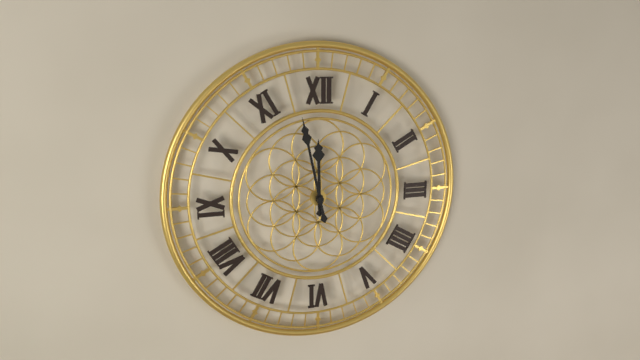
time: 11:58
